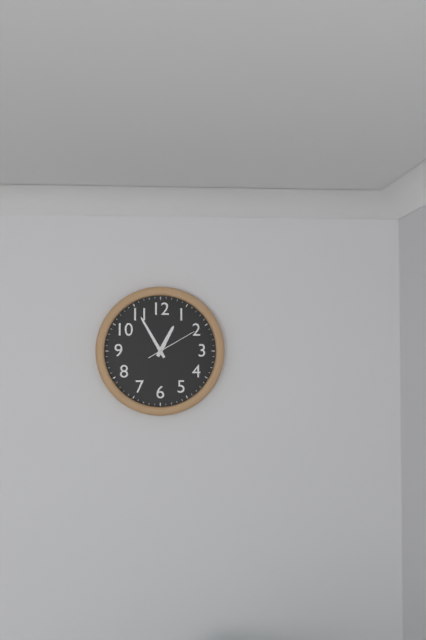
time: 12:55:10
